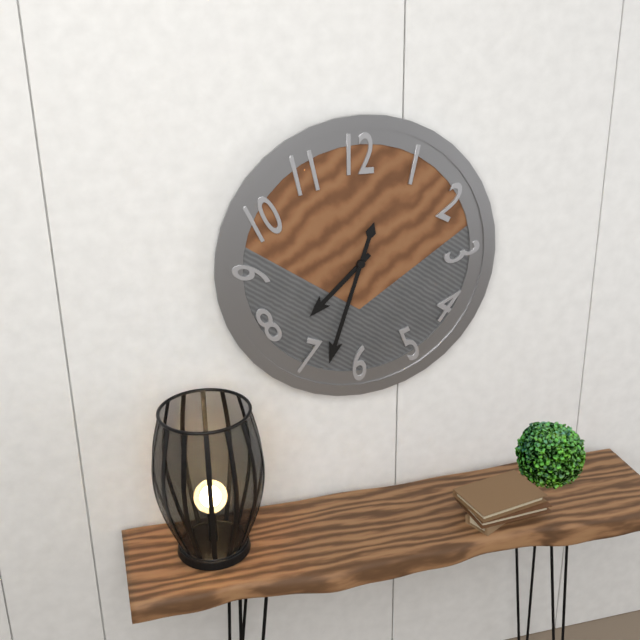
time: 7:33
